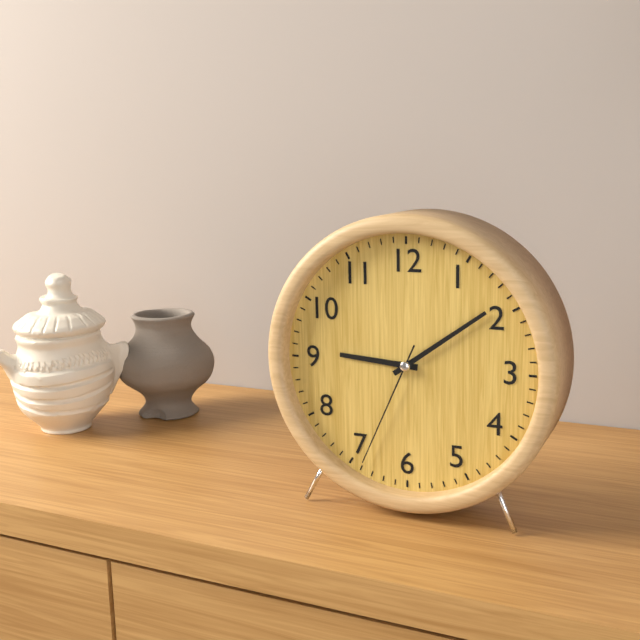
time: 9:09:34
